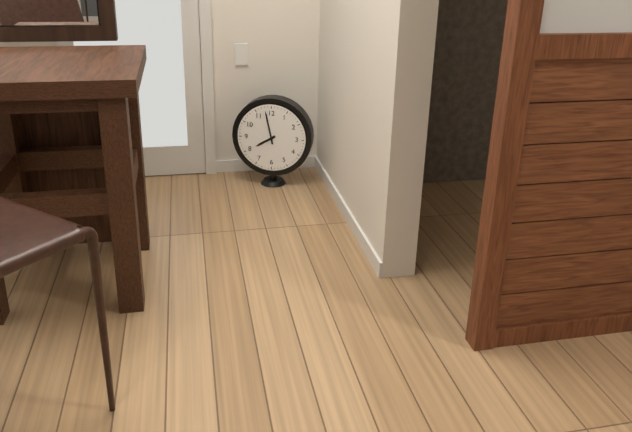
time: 7:58
